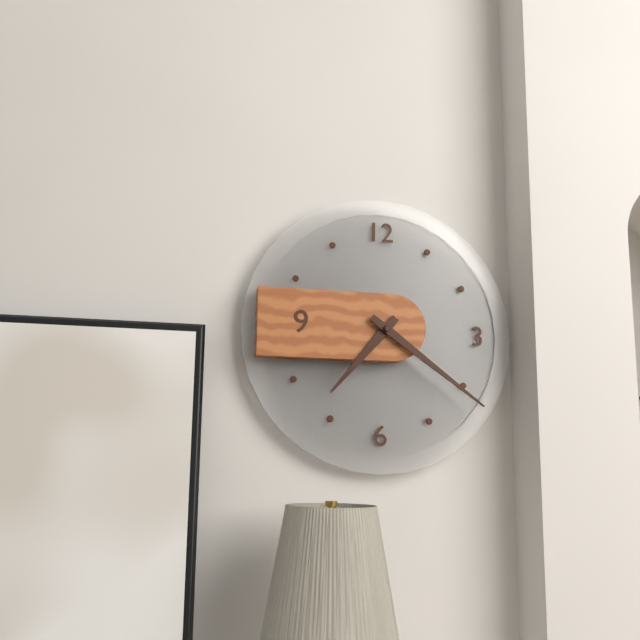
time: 7:21
